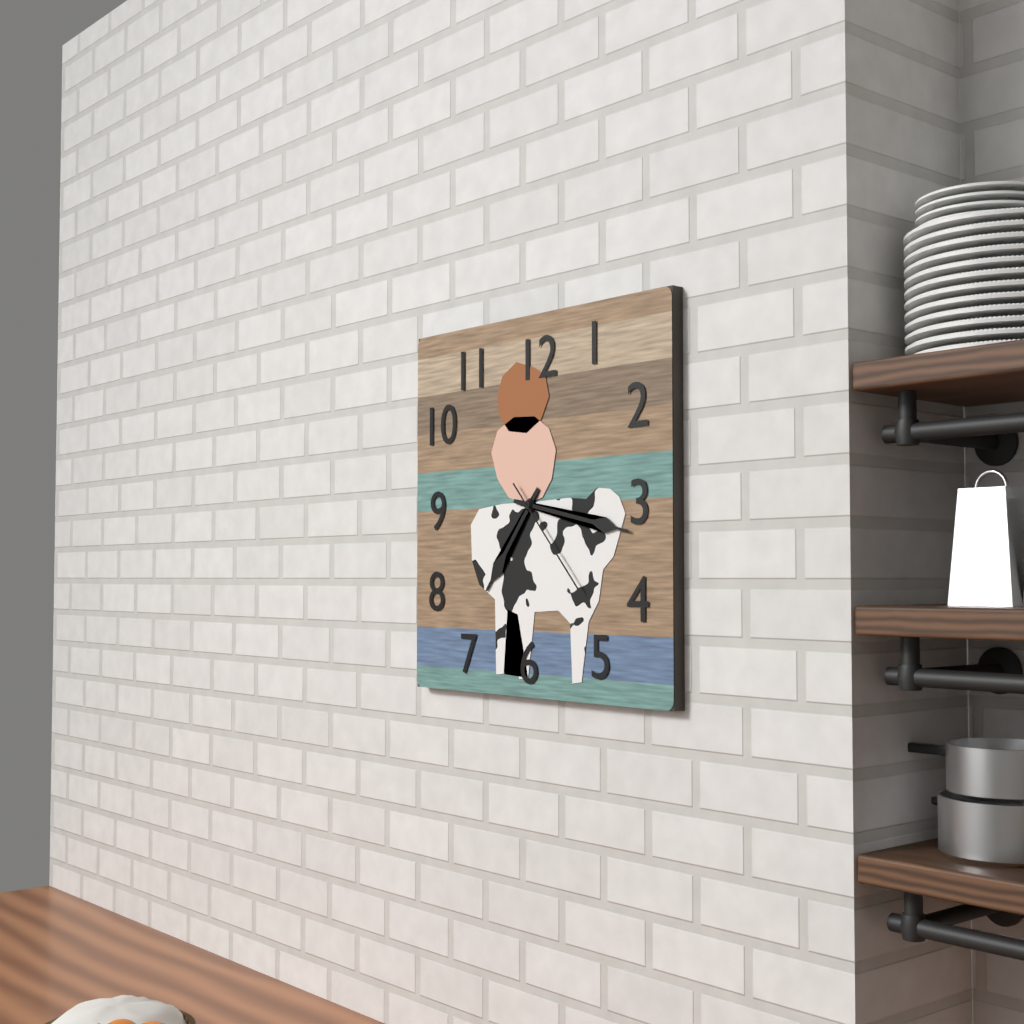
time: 7:17:23
